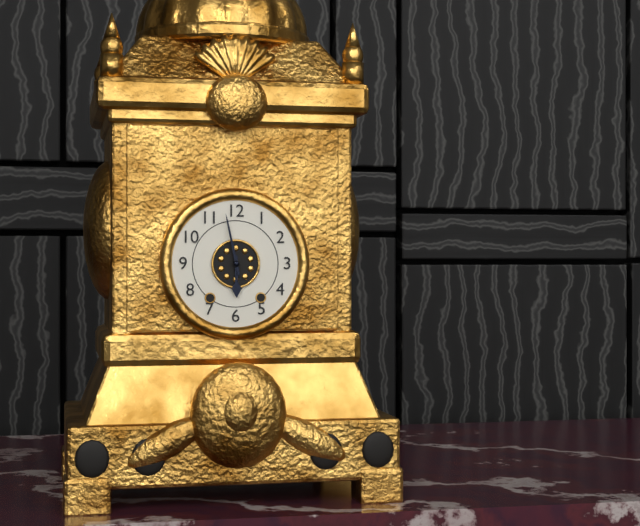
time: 5:58
